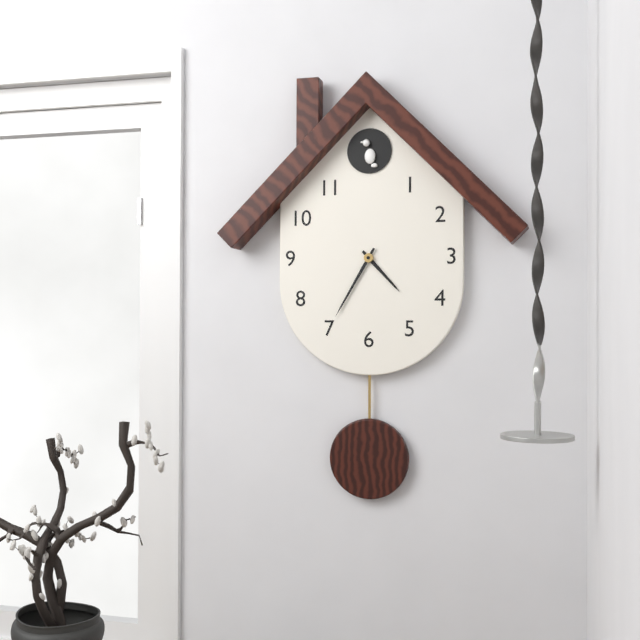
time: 4:35
